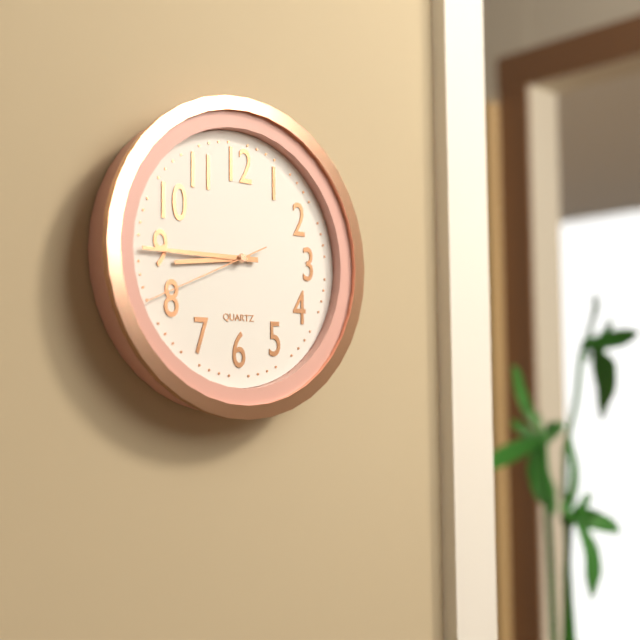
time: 8:45:41
